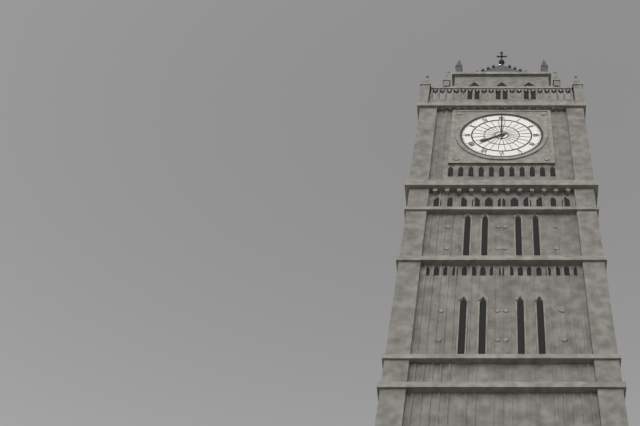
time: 8:00
